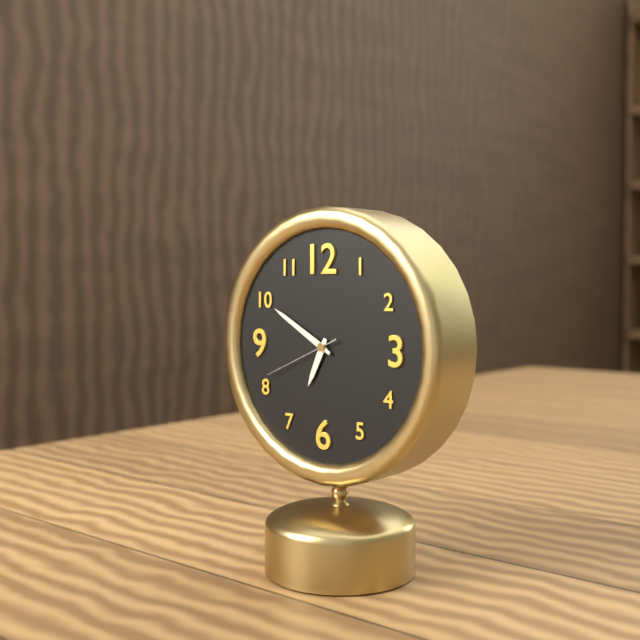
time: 6:50:41
